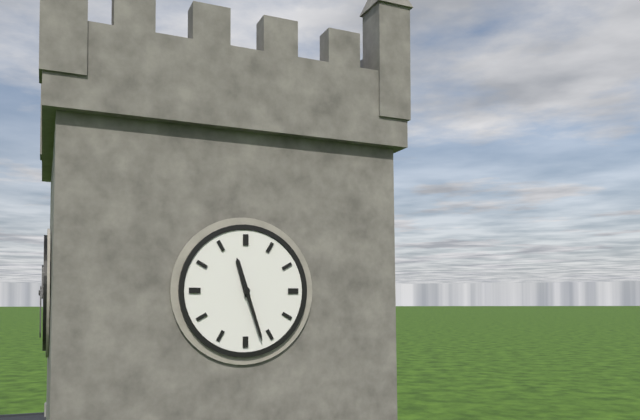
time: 11:27
